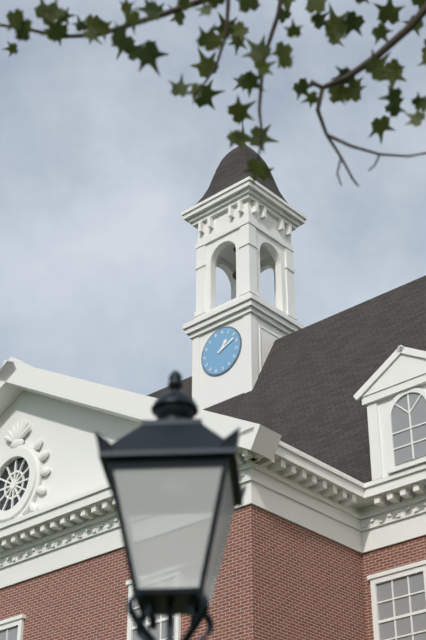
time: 1:11
